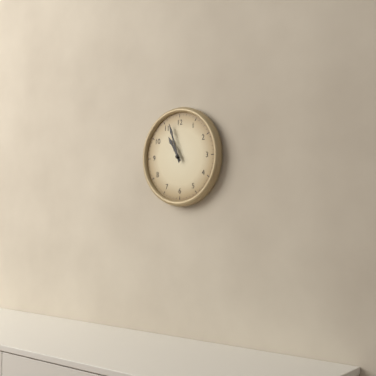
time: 10:57
